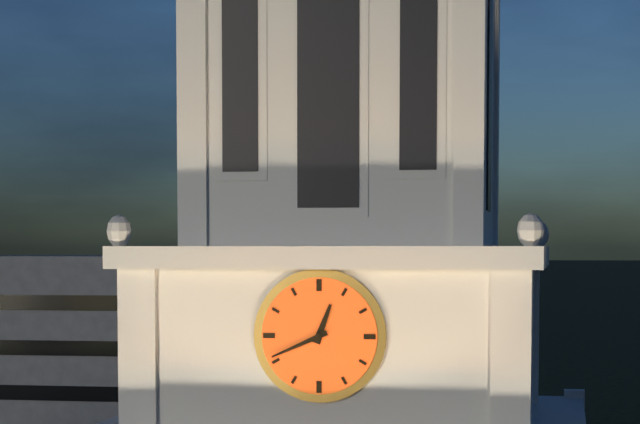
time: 12:41
